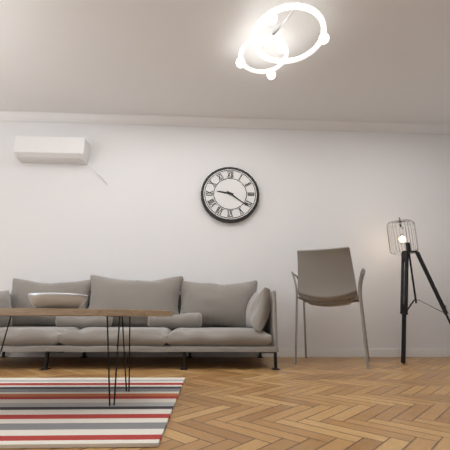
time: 9:21
